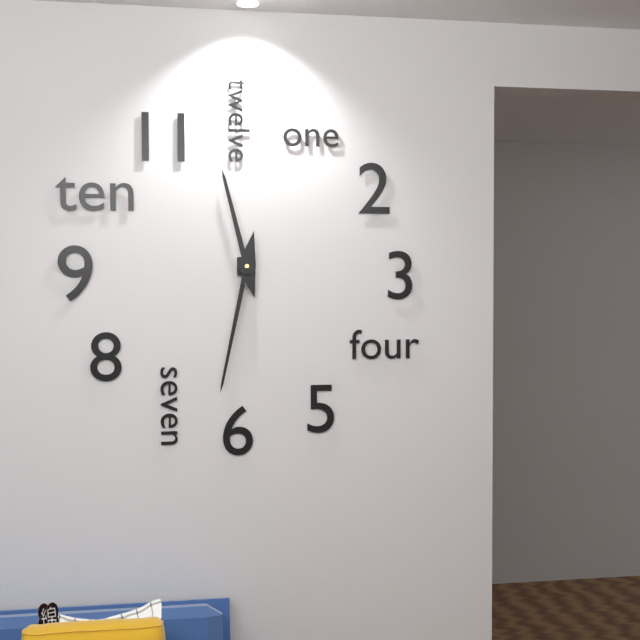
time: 11:32
